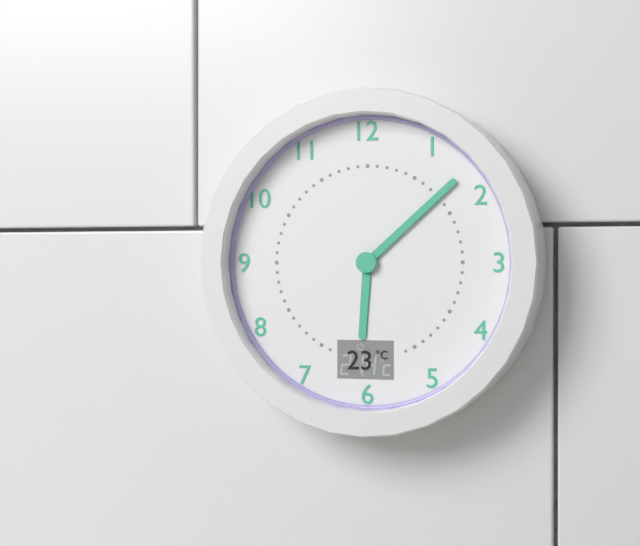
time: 6:08
